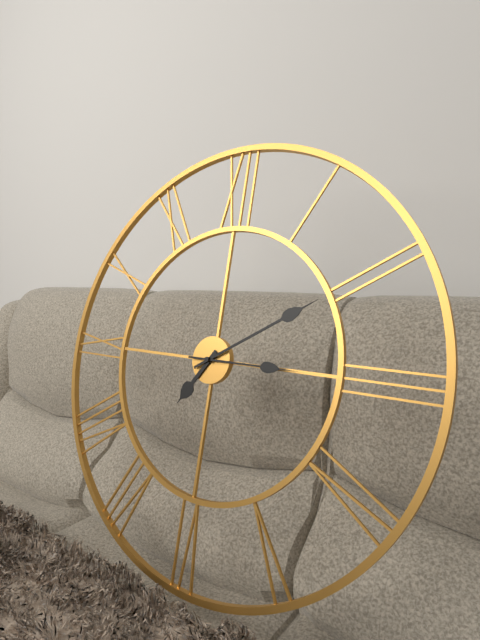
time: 7:10:15
